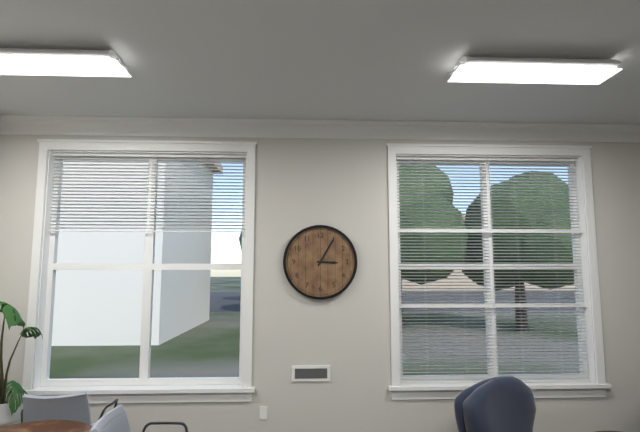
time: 3:05
